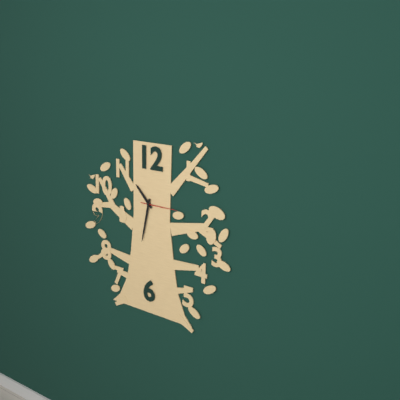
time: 10:32
